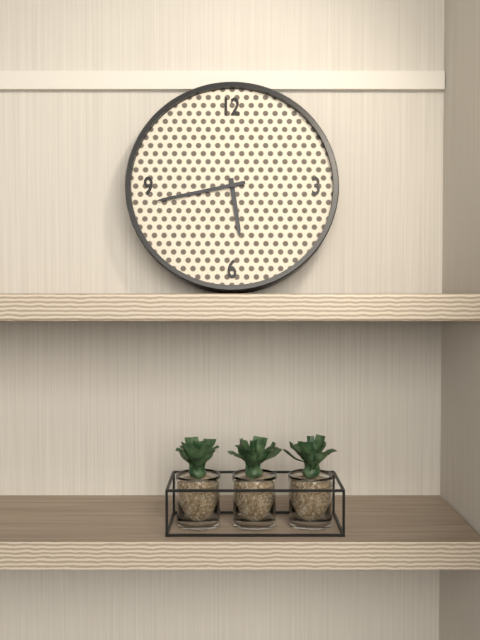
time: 5:43
